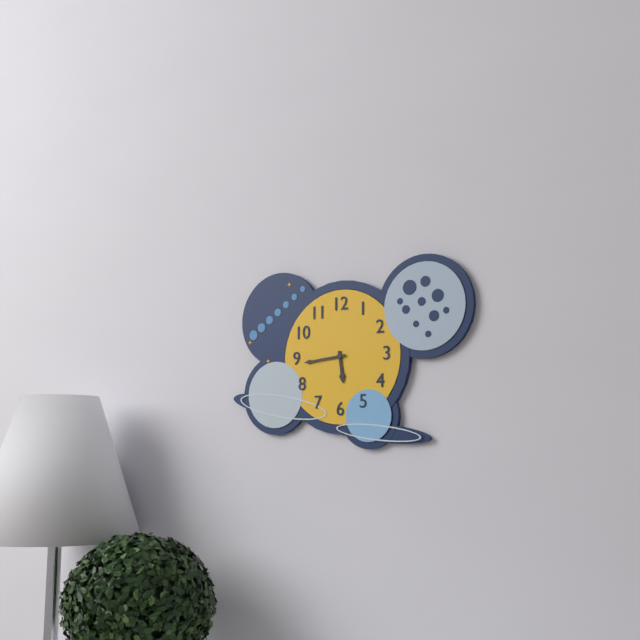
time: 5:44
